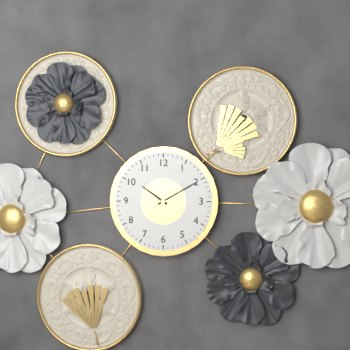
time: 10:10
